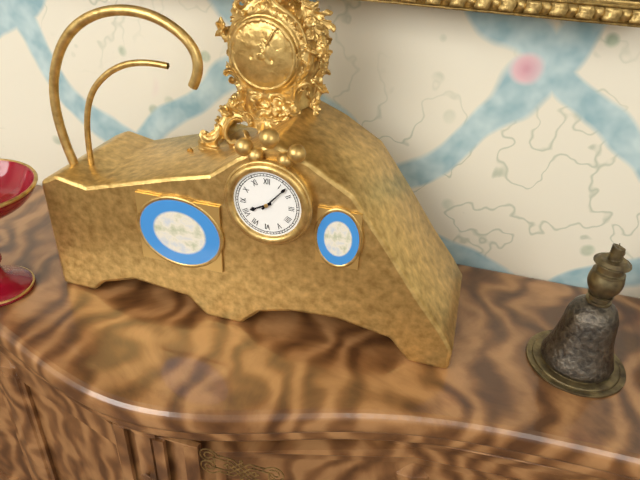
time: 8:07
